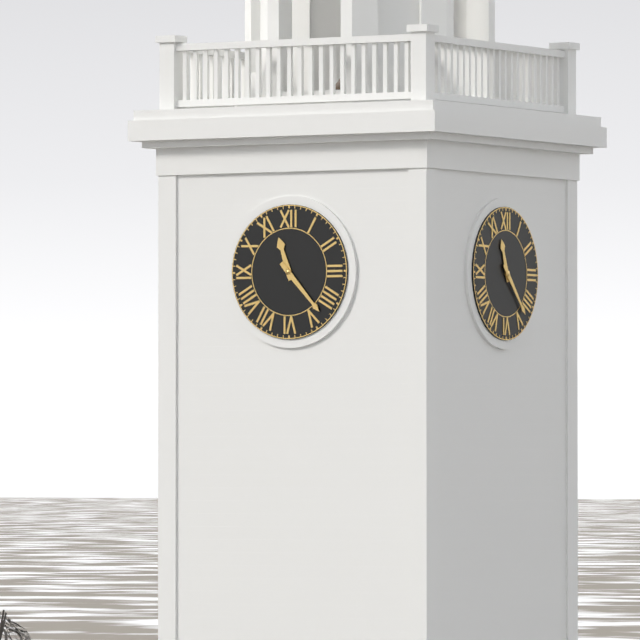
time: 11:23
